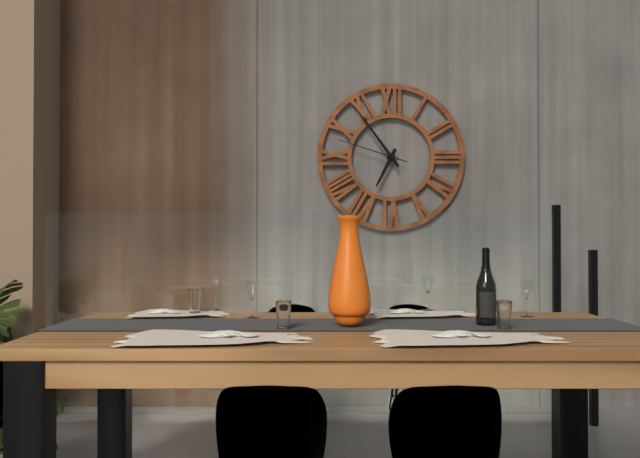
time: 6:54:48
